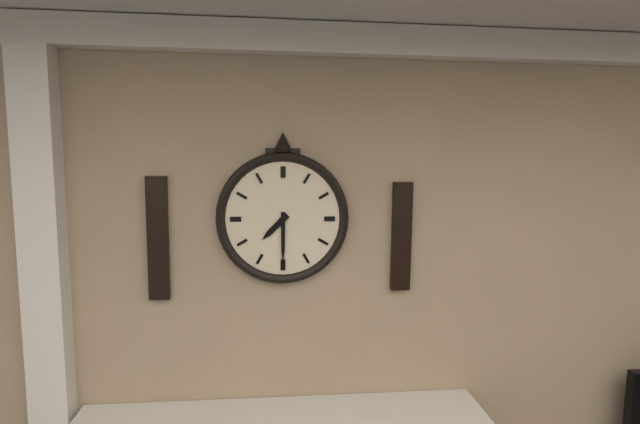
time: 7:30
